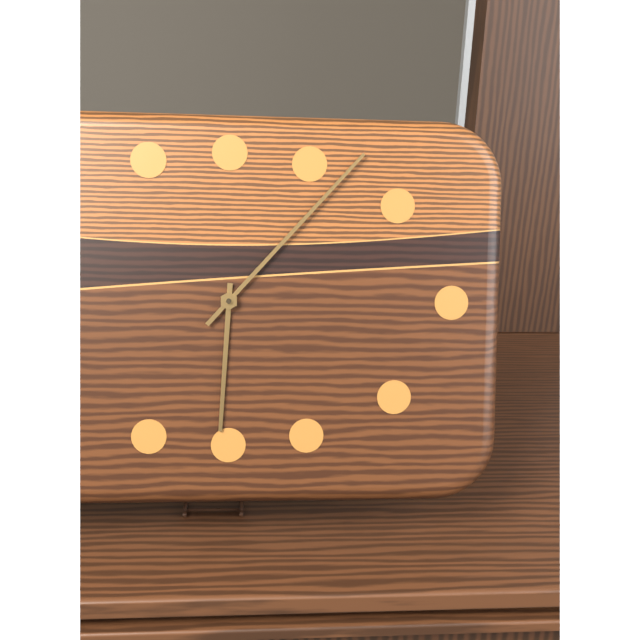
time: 6:07
